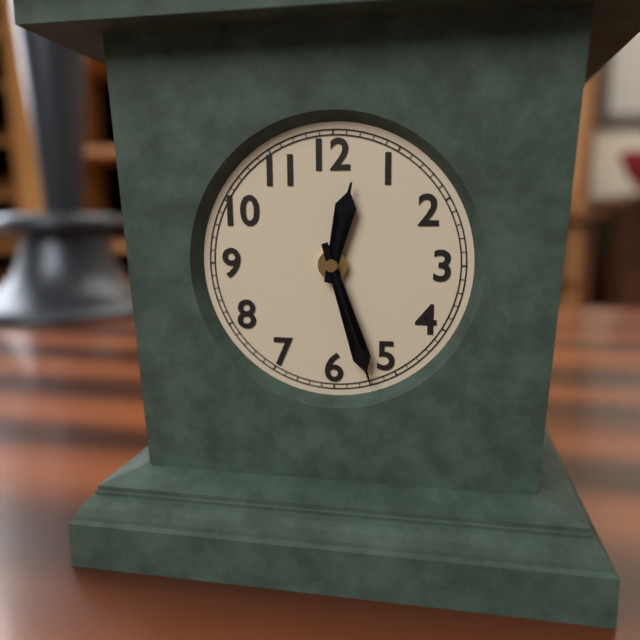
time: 12:27
